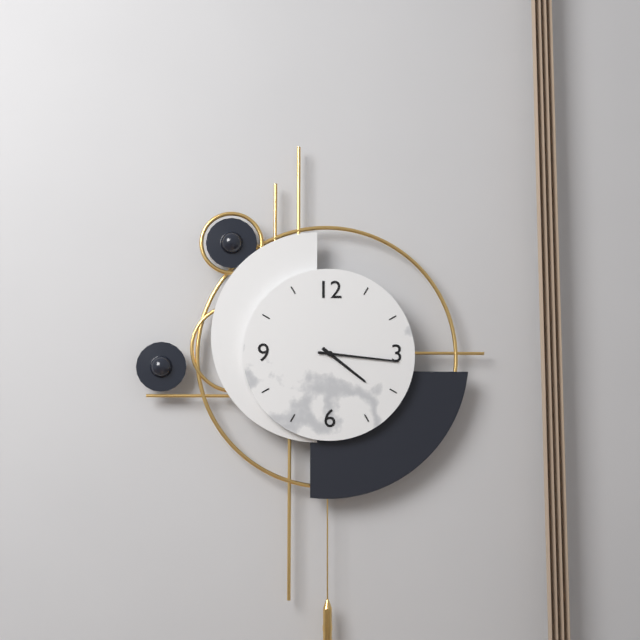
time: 4:16
